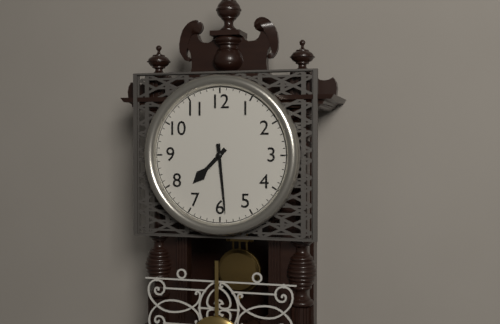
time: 7:29
